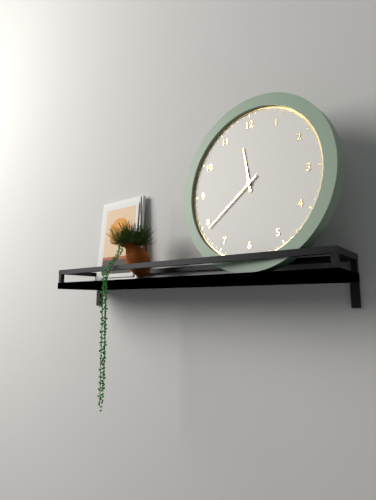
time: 11:39
